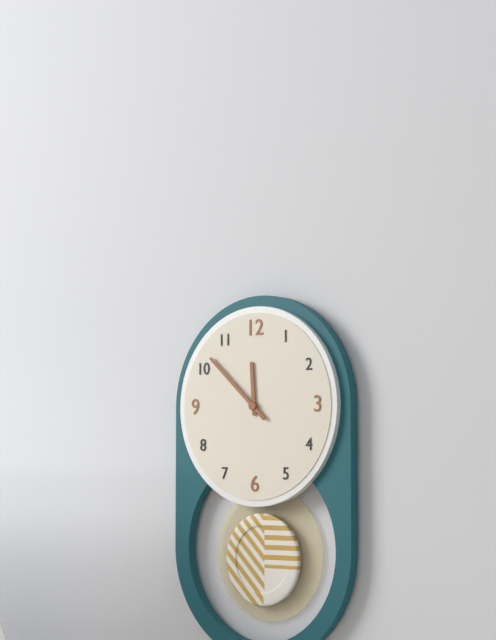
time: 11:52
